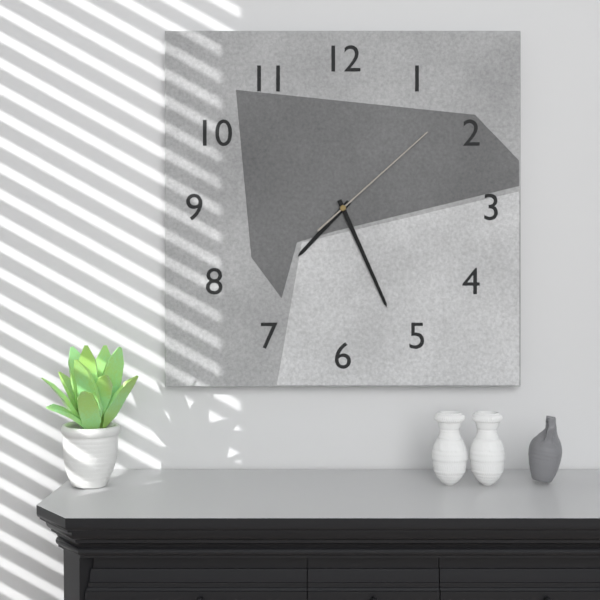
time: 7:26:08
